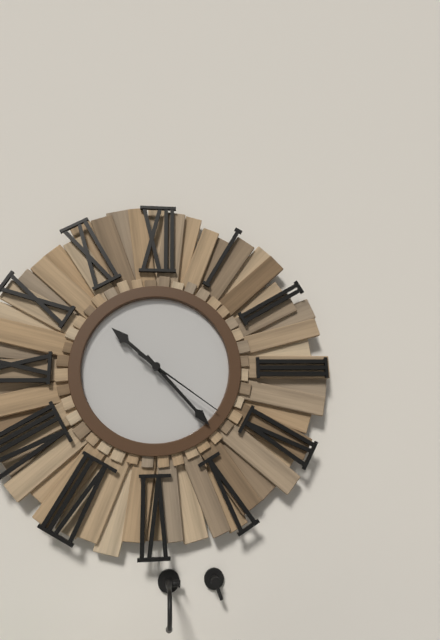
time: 10:23:21
